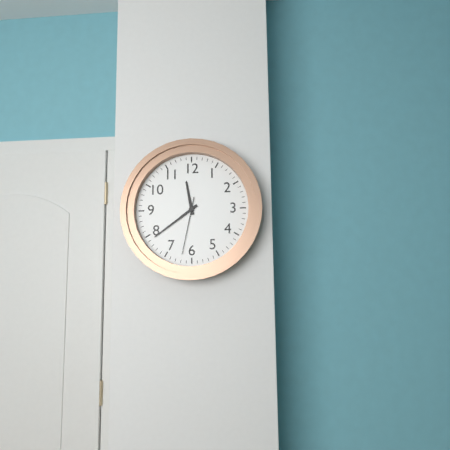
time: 11:39:32
